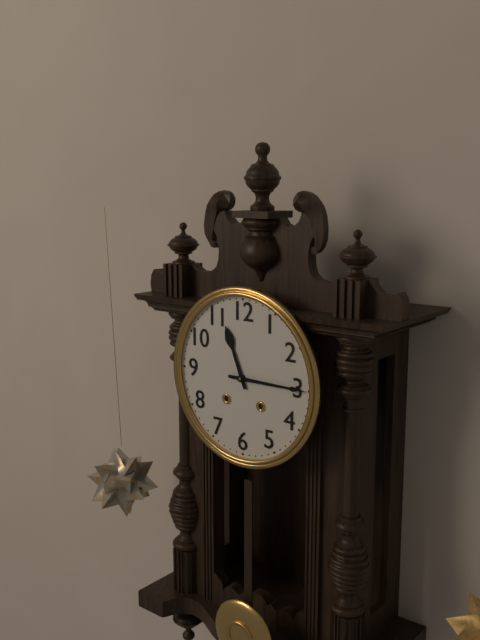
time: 11:15
